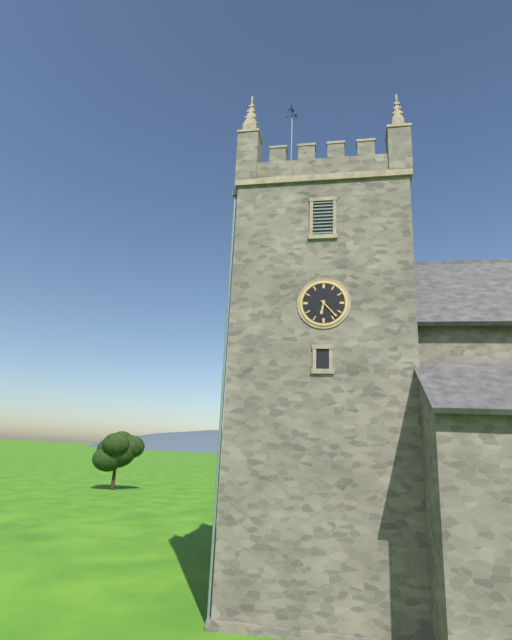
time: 6:23
